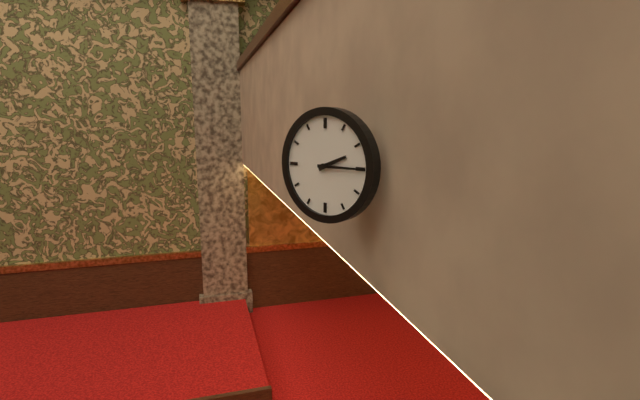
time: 2:15
